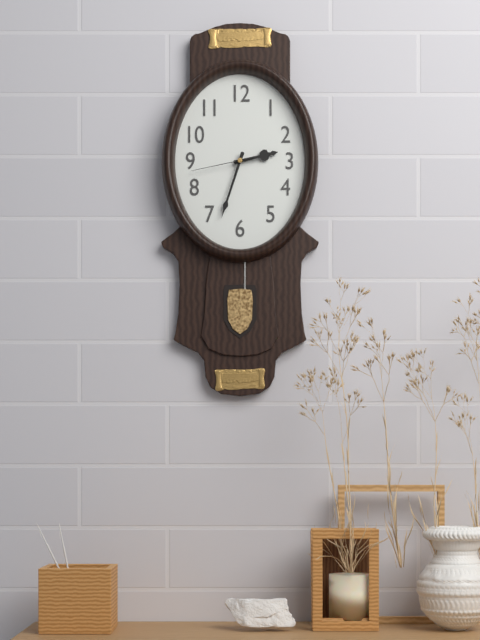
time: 2:33:43
